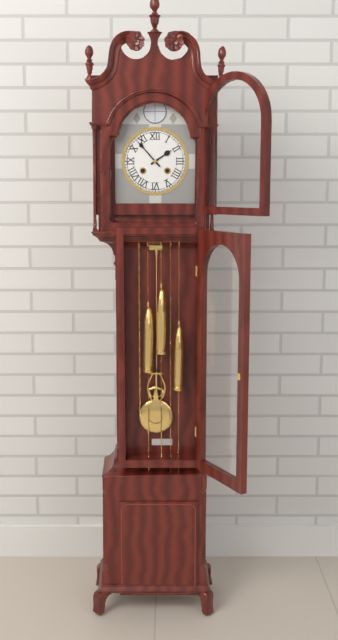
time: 1:53
